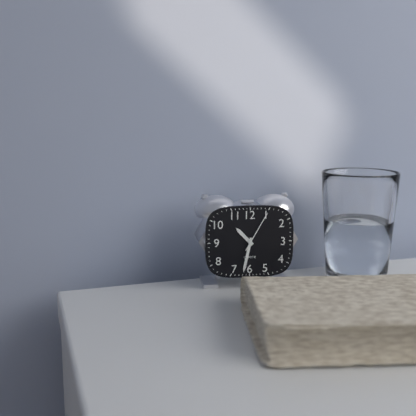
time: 10:32
